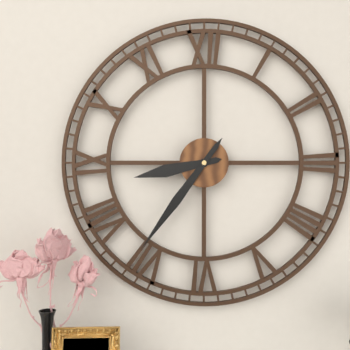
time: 8:36
